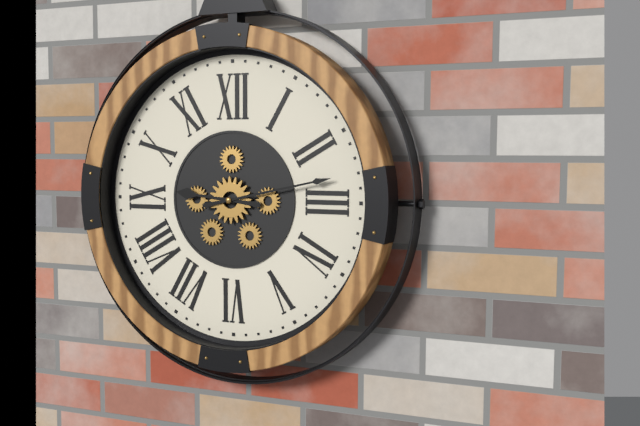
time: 9:13
